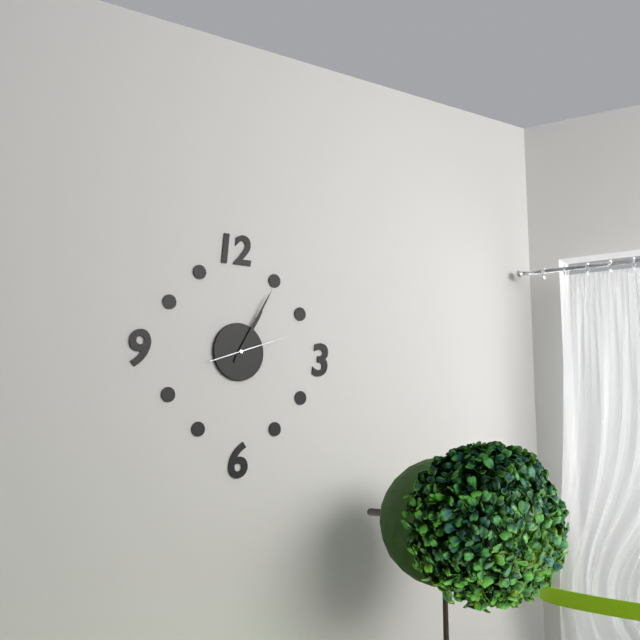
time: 1:05:12
